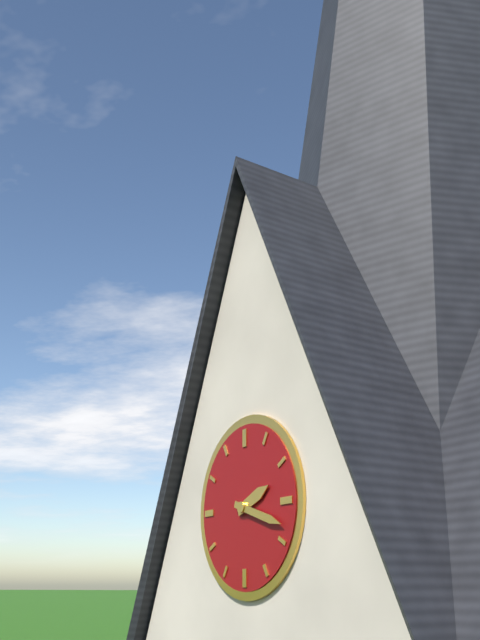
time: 2:18
